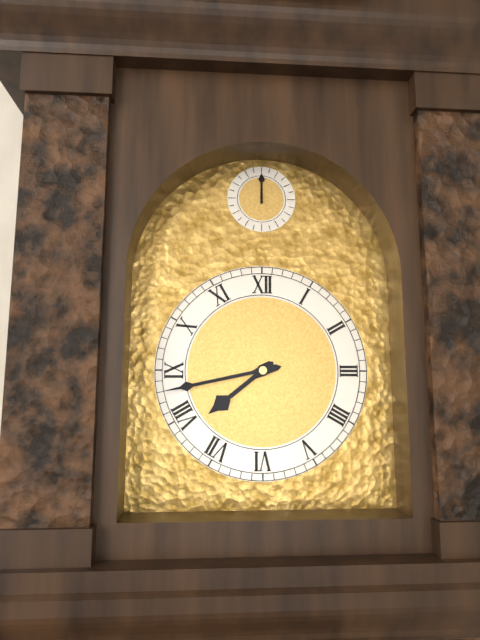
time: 7:43
